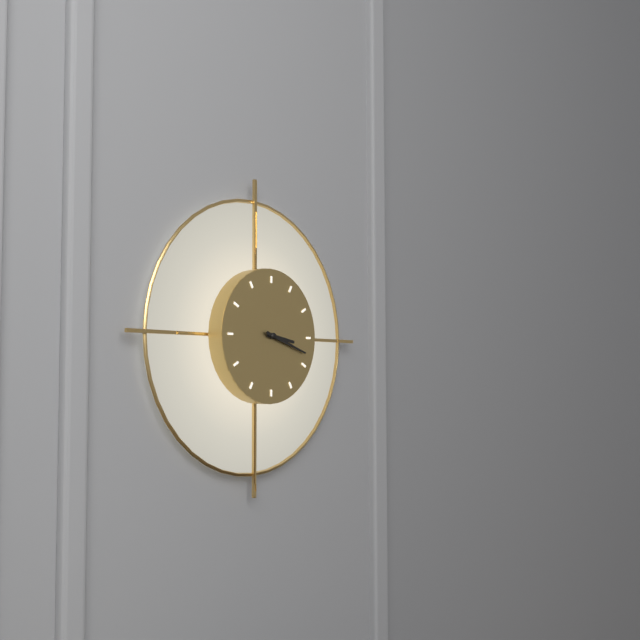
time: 3:18
